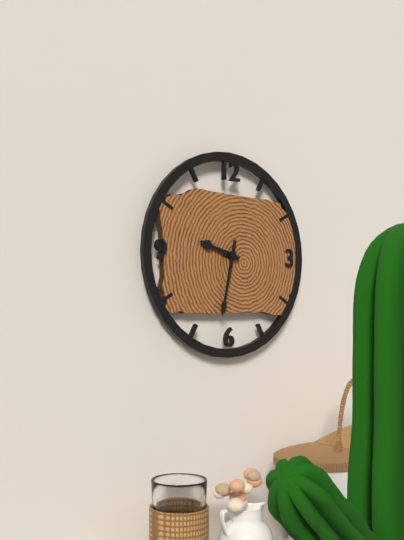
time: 9:32
